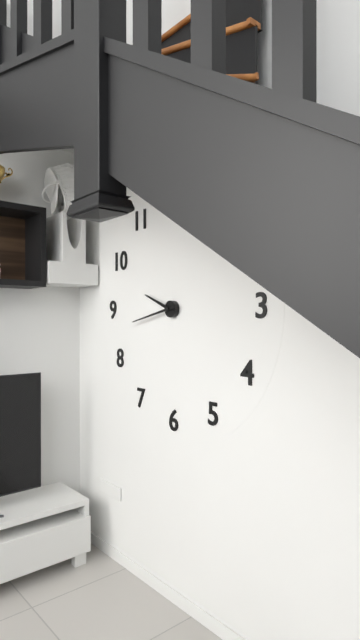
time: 9:43
